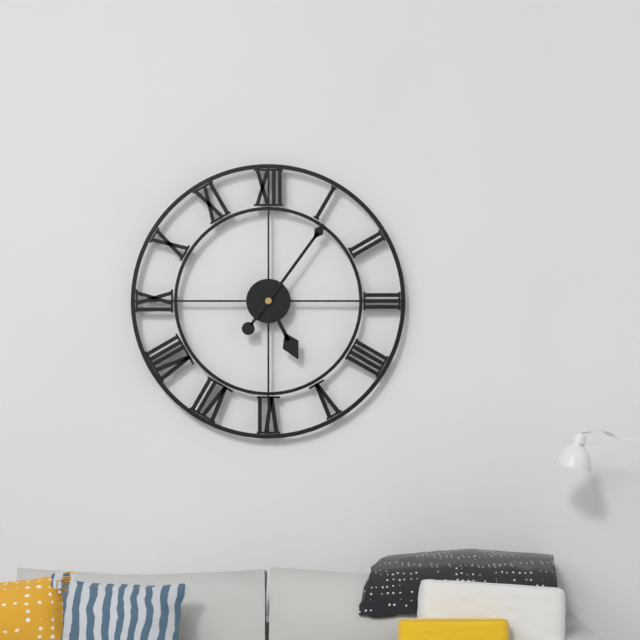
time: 5:06
